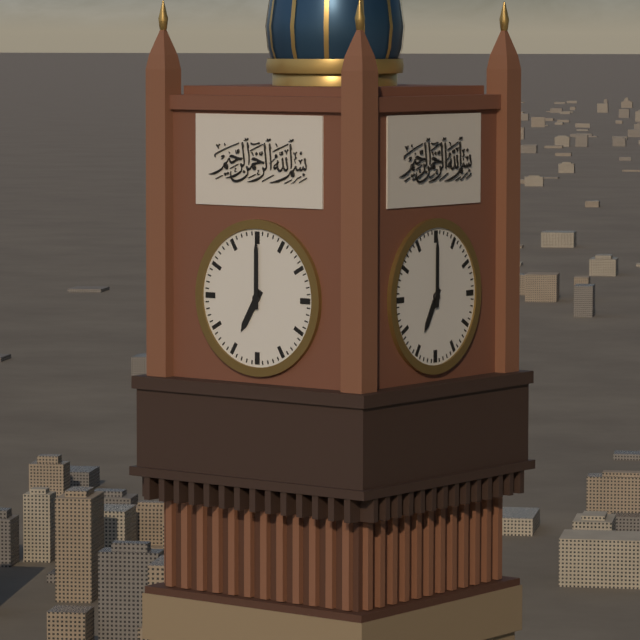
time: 7:00
